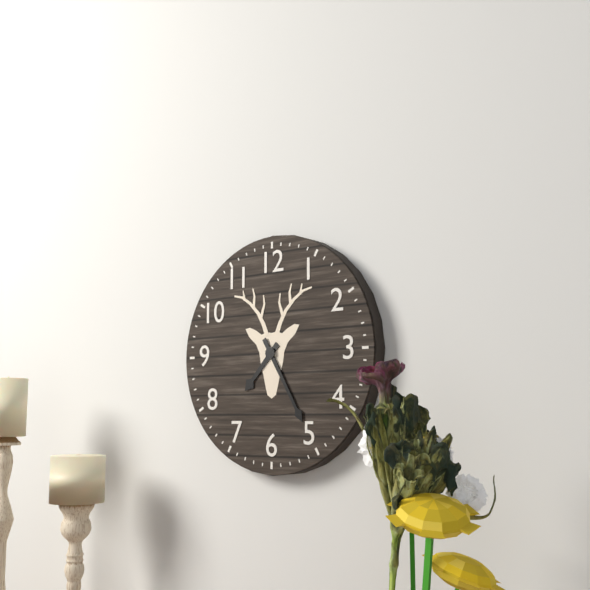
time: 7:25
